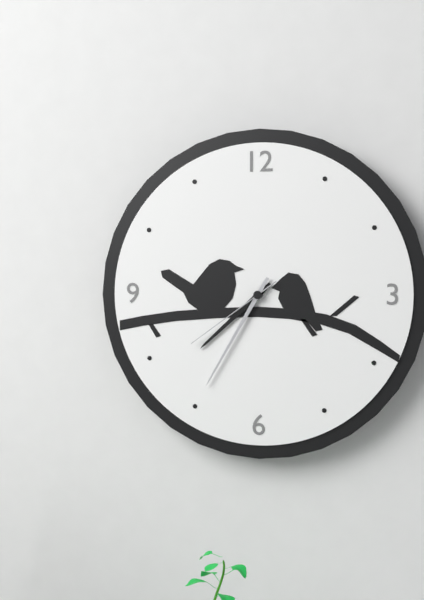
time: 7:35:39
